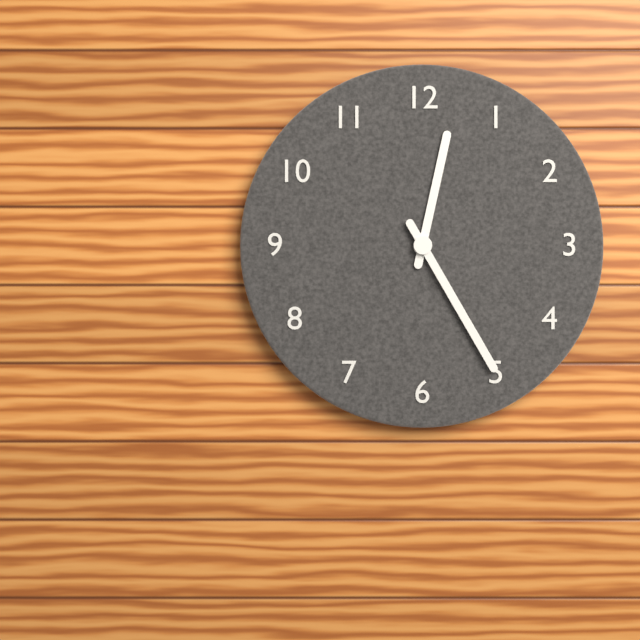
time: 12:25
